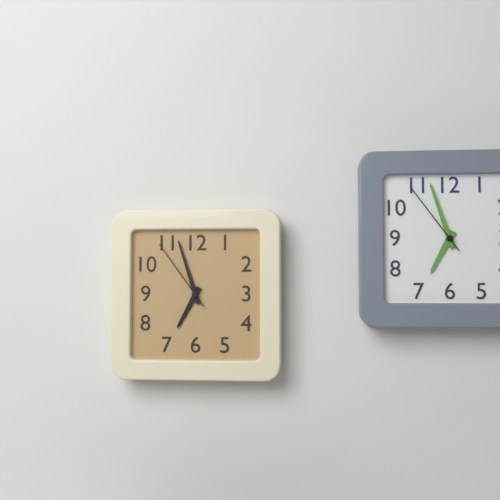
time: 6:57:54
